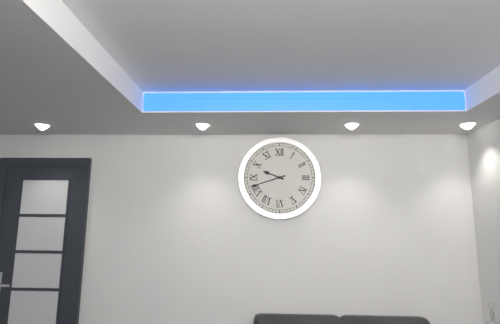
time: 9:42
